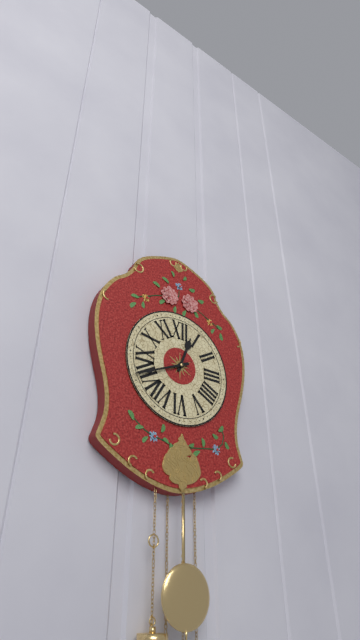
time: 12:41
